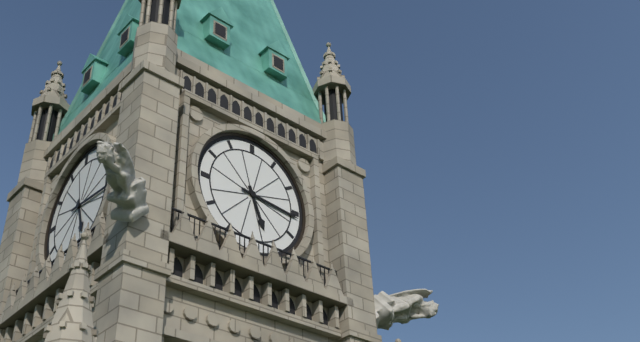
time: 5:16
